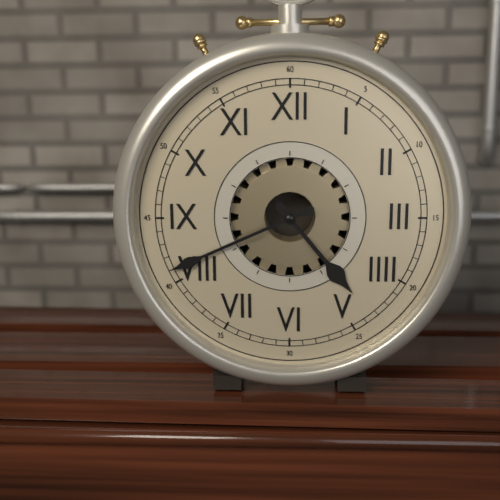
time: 4:41
